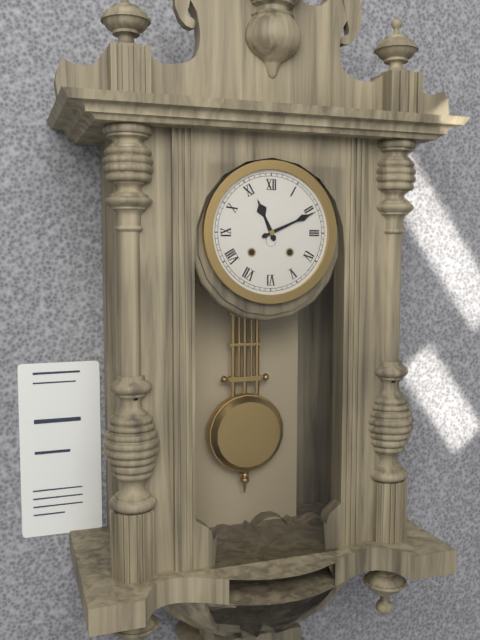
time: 11:11
